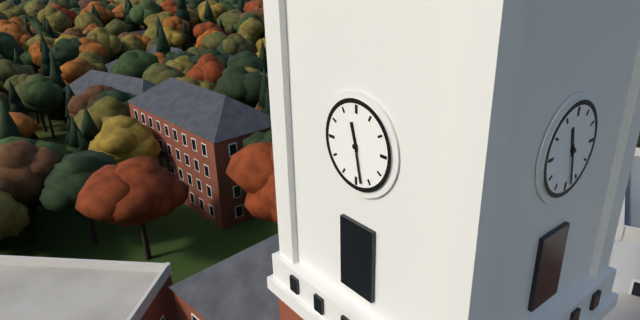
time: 11:28
